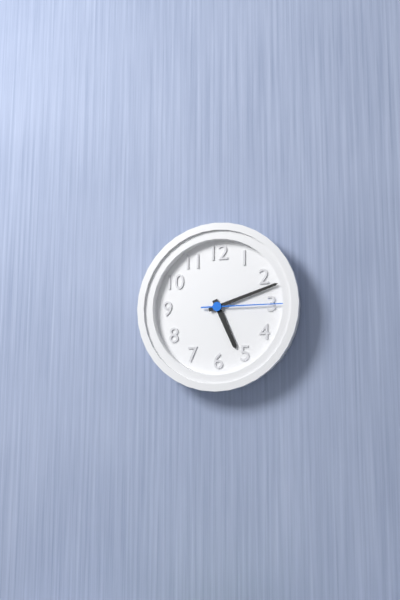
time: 5:12:15
